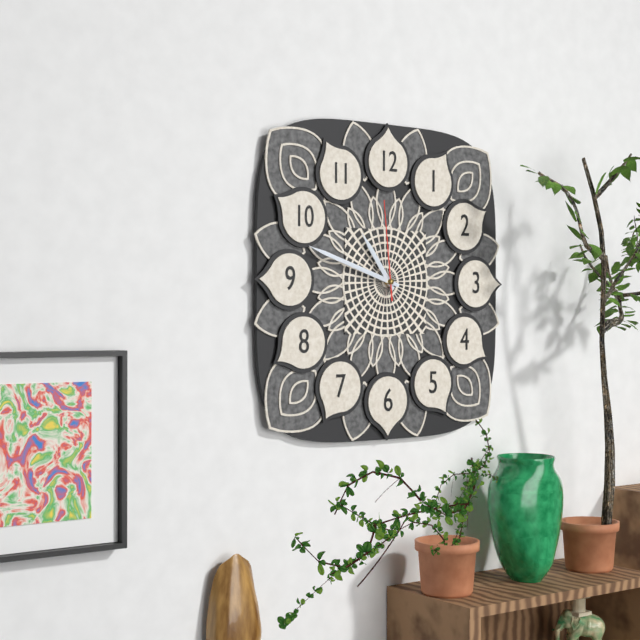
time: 10:48:59
